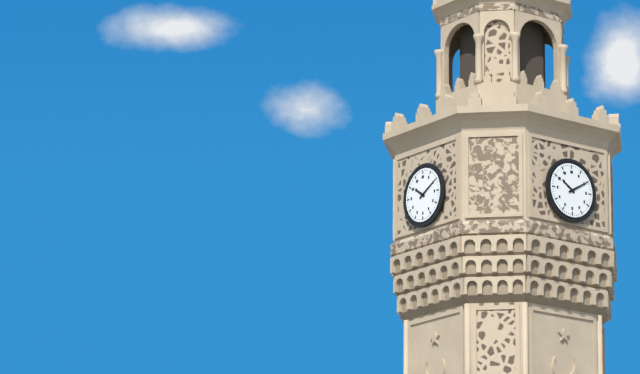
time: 10:10
